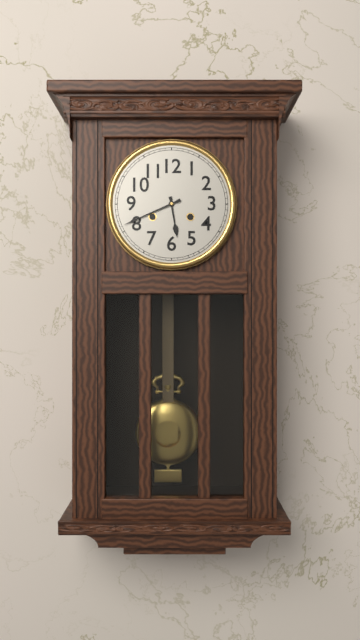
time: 5:41
